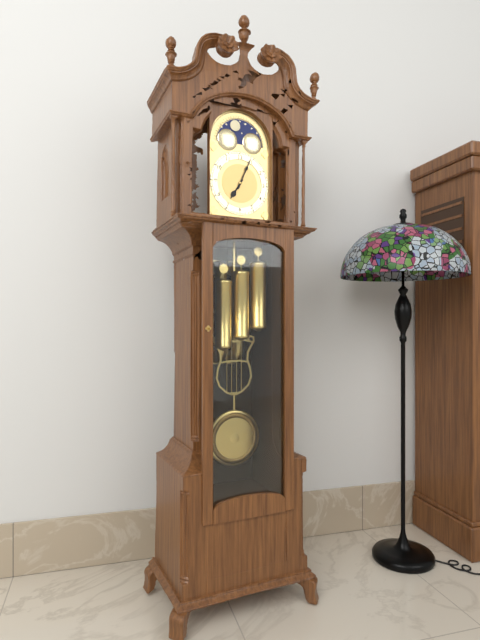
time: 7:04
